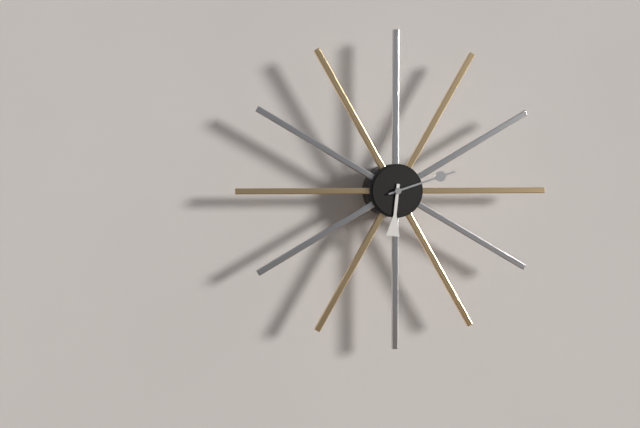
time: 6:12
